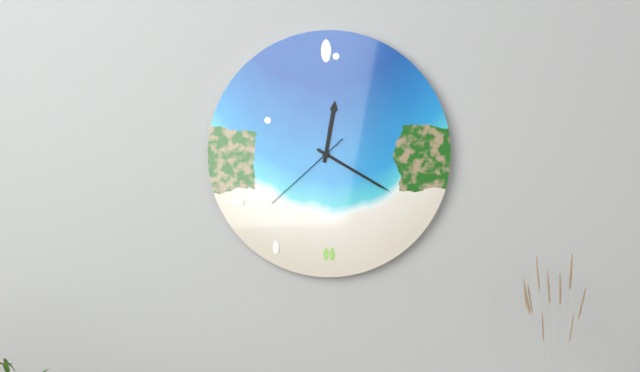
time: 12:20:38
